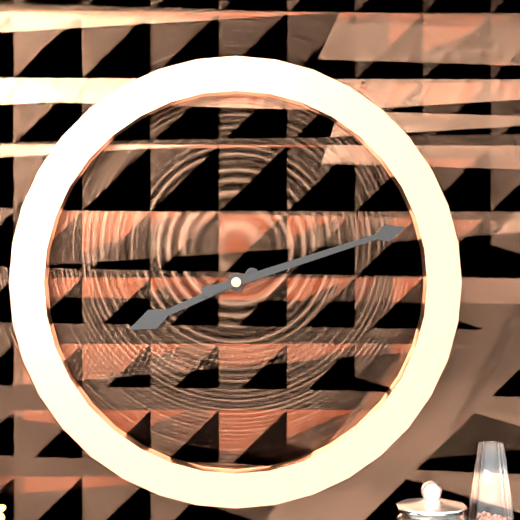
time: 8:12
